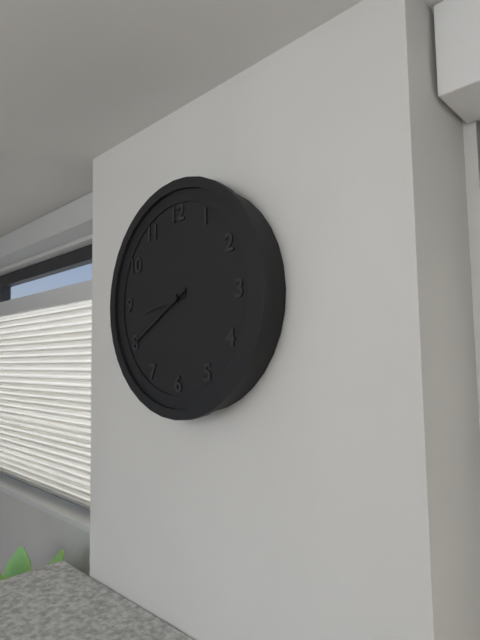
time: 8:40
